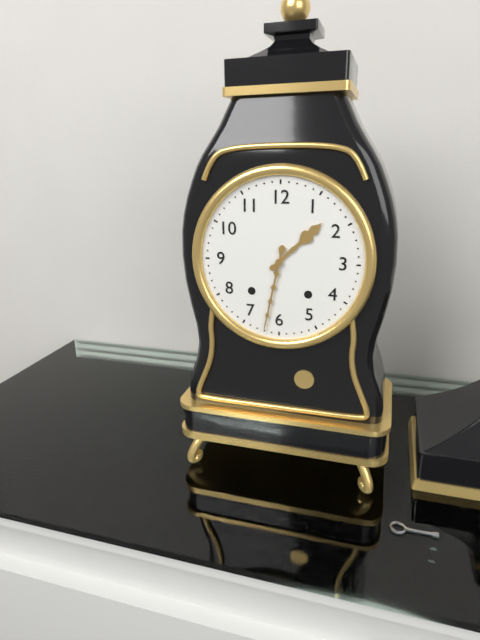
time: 1:32
